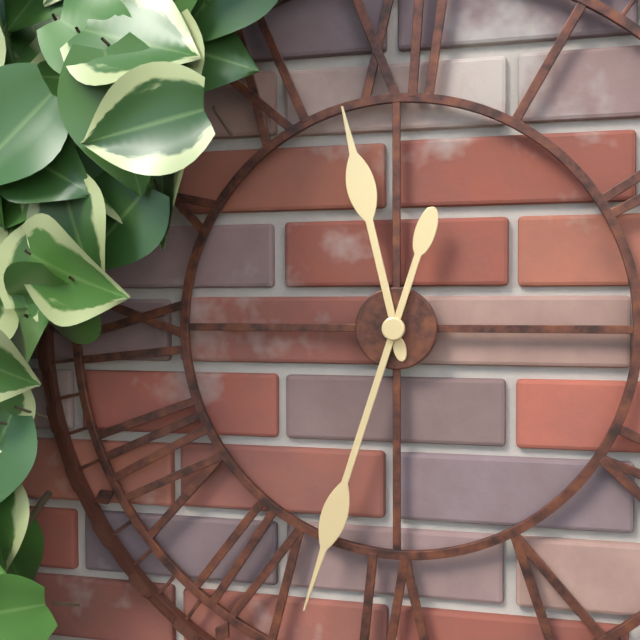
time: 11:33
